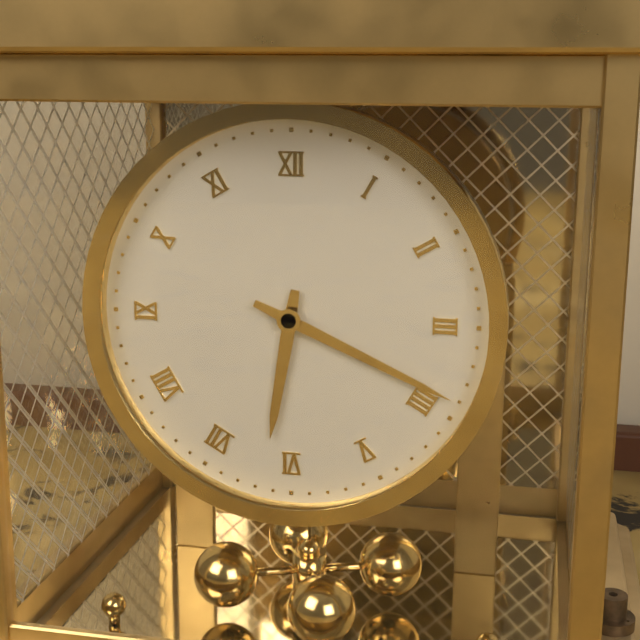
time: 6:19
